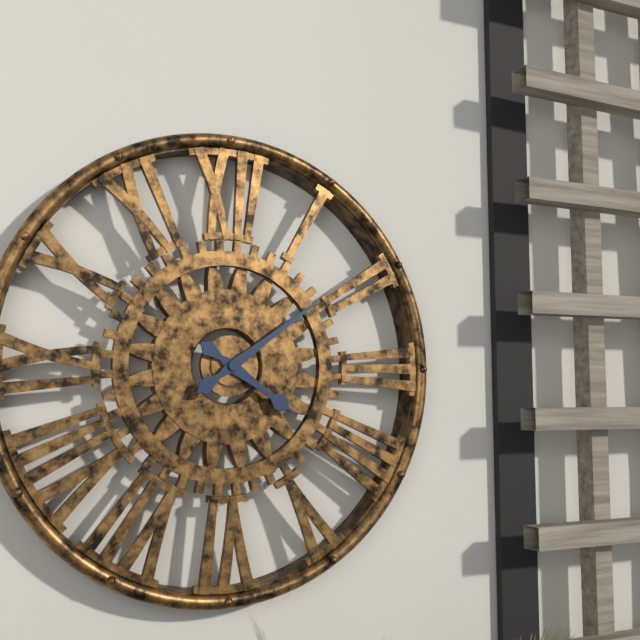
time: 4:09
